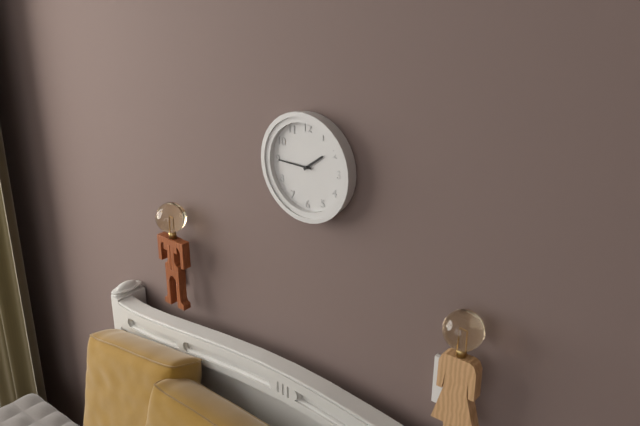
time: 1:45
